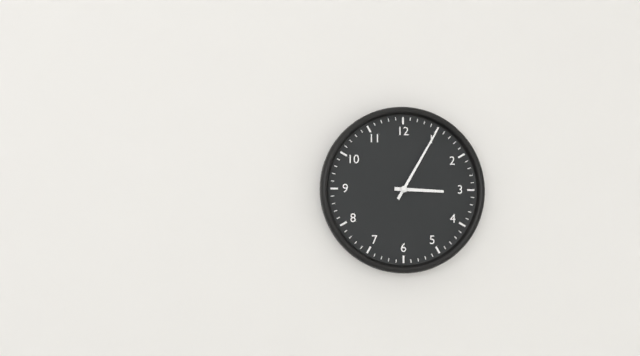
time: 3:05
